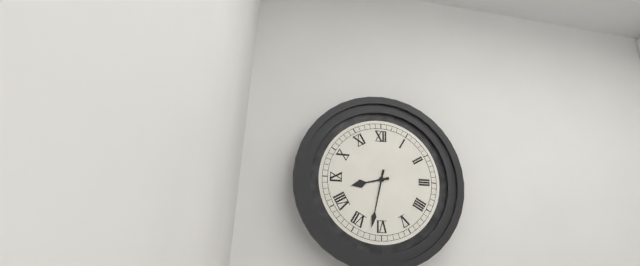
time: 8:32
